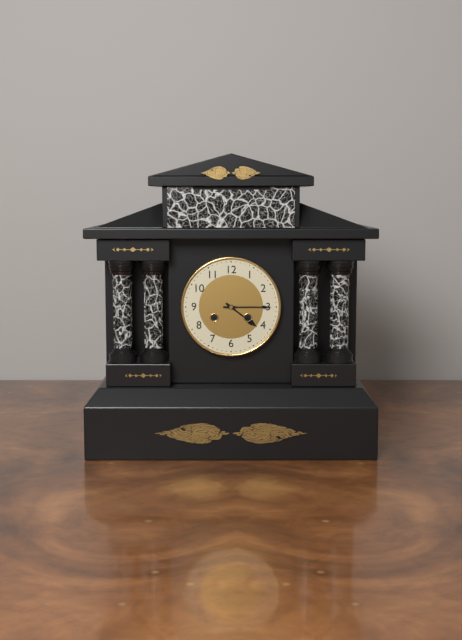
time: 4:15
